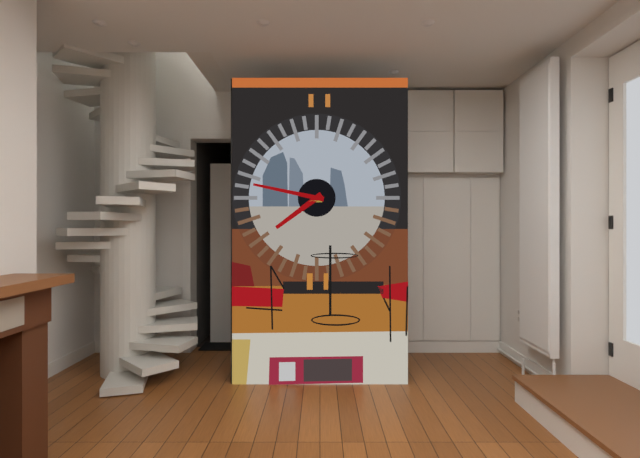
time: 7:47
